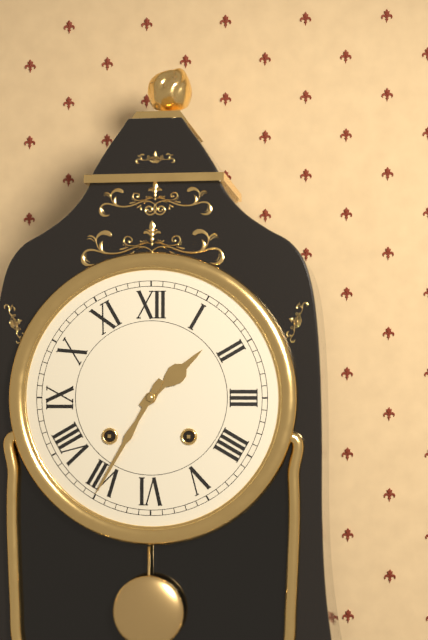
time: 1:35
